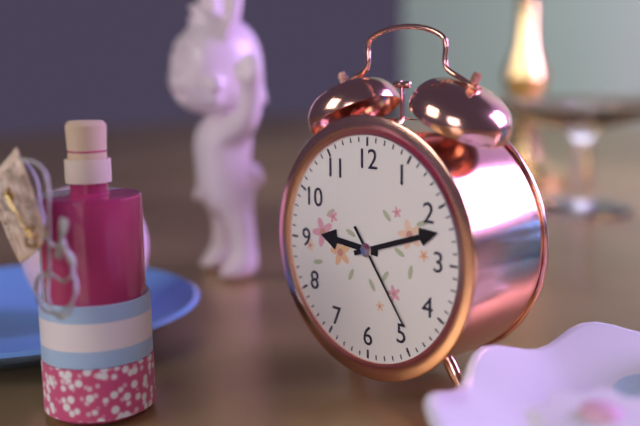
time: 9:12:24
